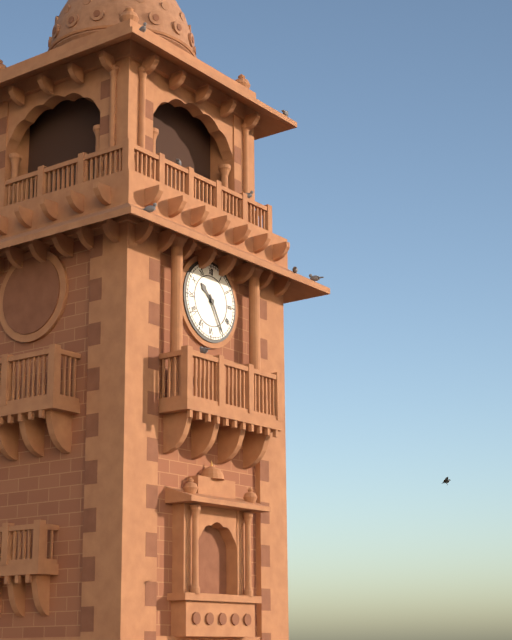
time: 10:25
